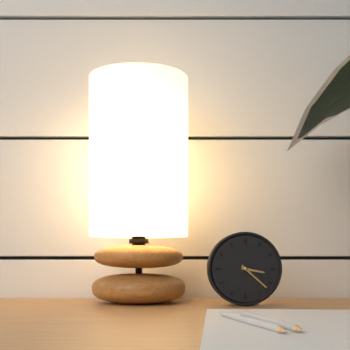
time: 3:22
